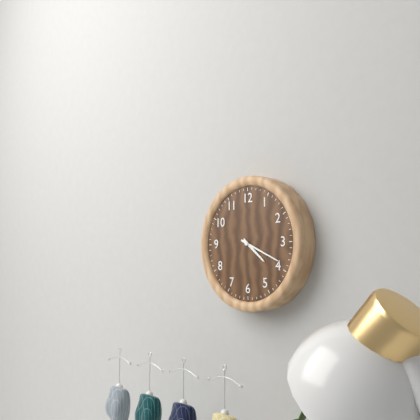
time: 4:19
